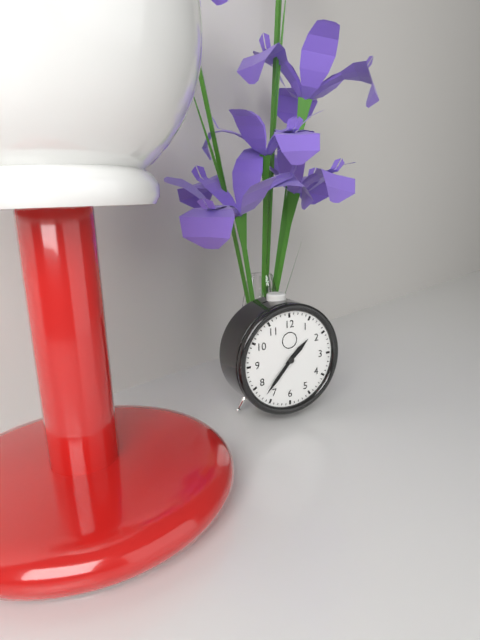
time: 1:37
